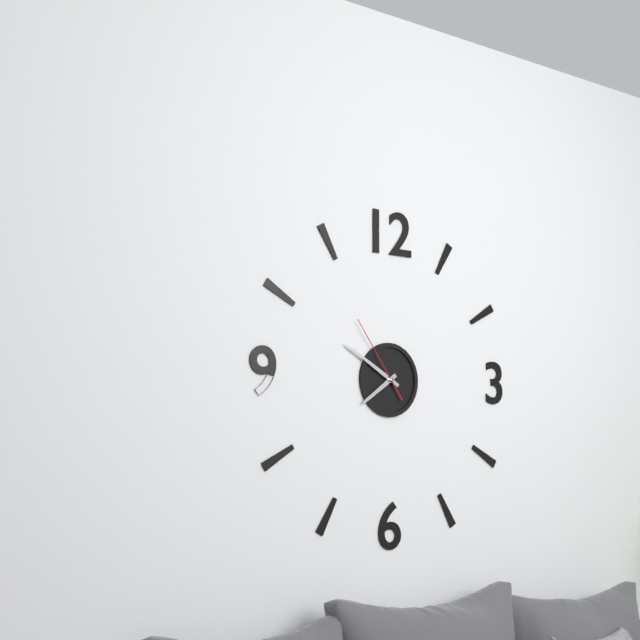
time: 7:50:54
